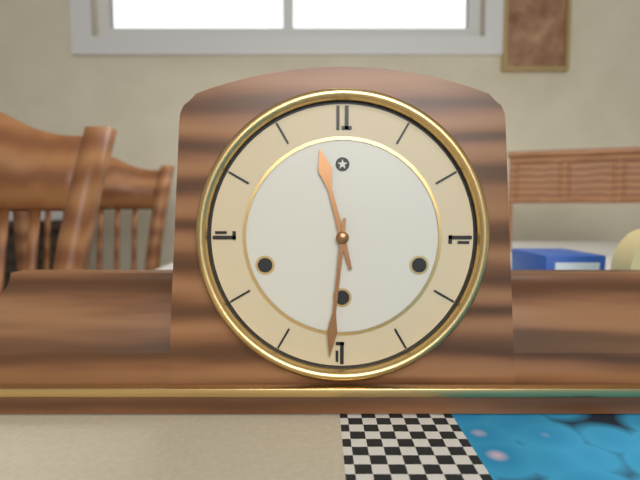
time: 11:31
